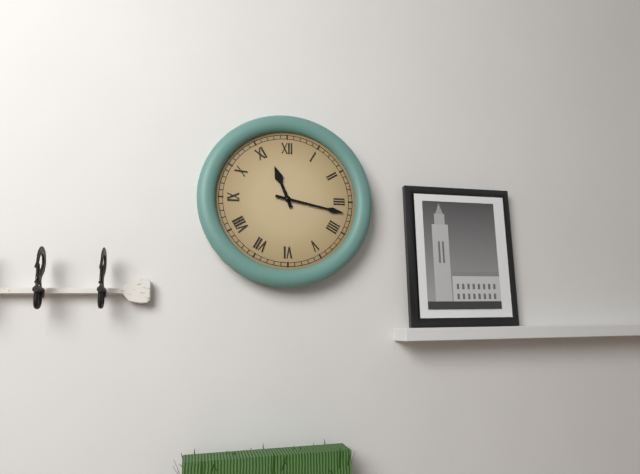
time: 11:17
